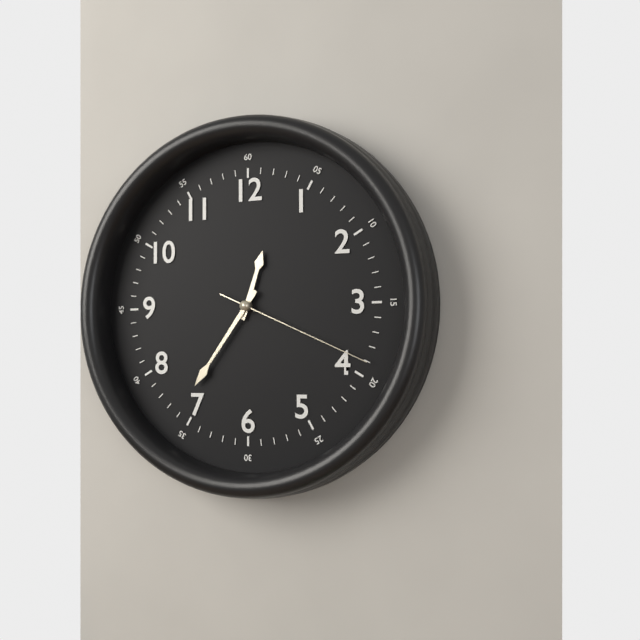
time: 12:36:19
